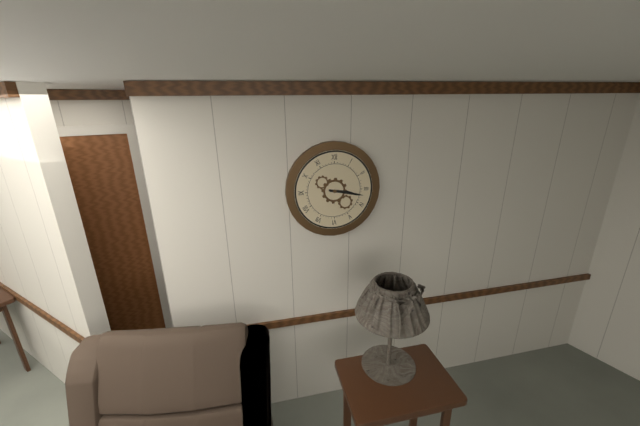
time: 3:17
